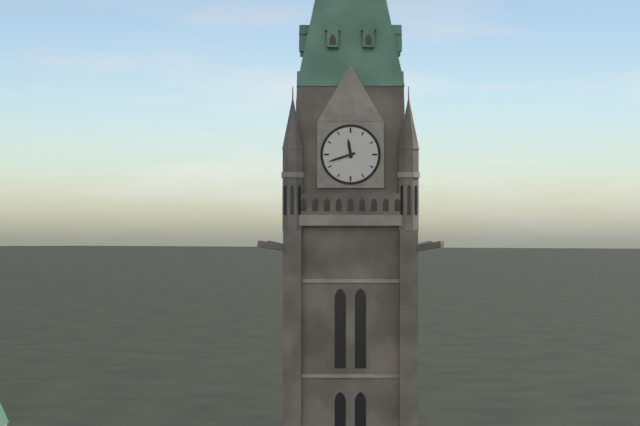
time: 11:42
